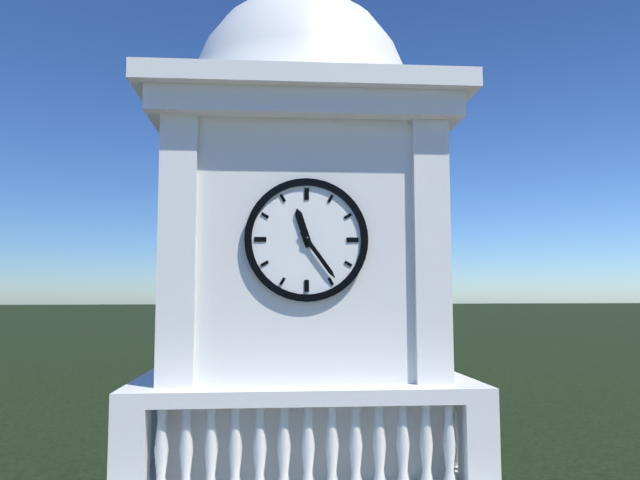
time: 11:24
